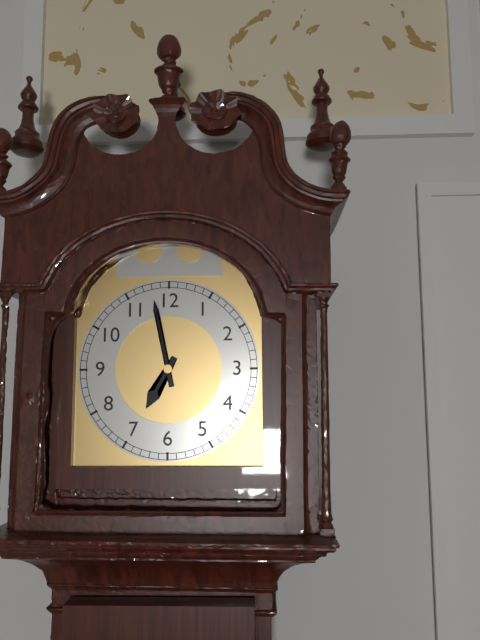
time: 6:58
